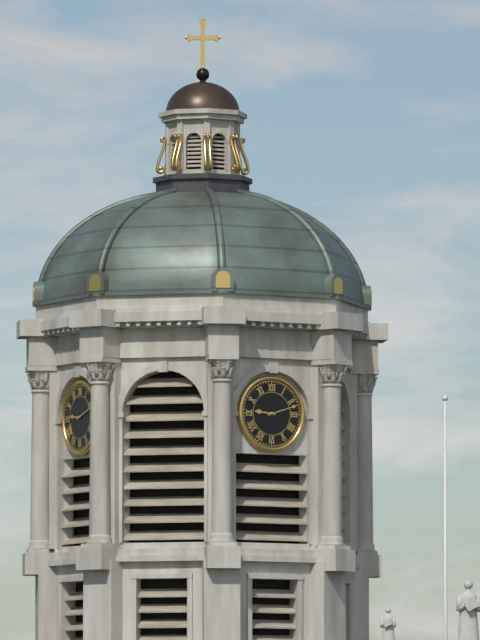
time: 9:12
